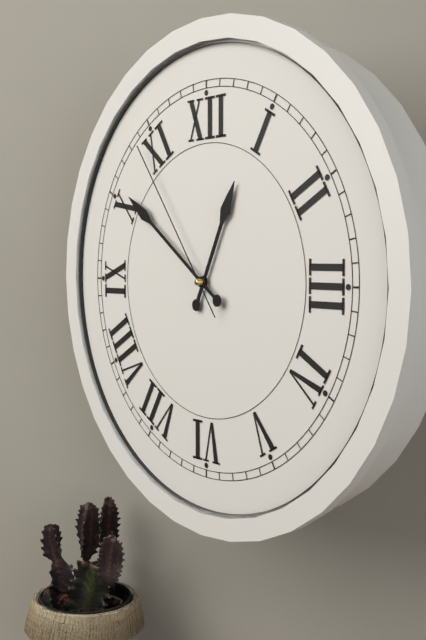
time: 12:51:54
